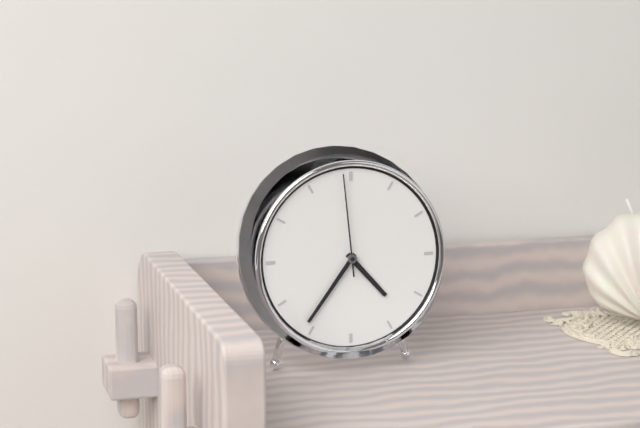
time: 4:36:59
